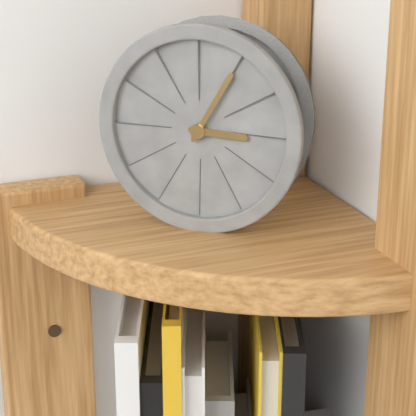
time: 3:05
